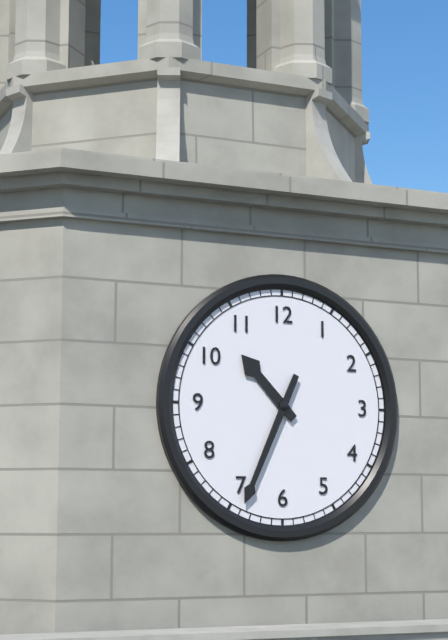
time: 10:34
